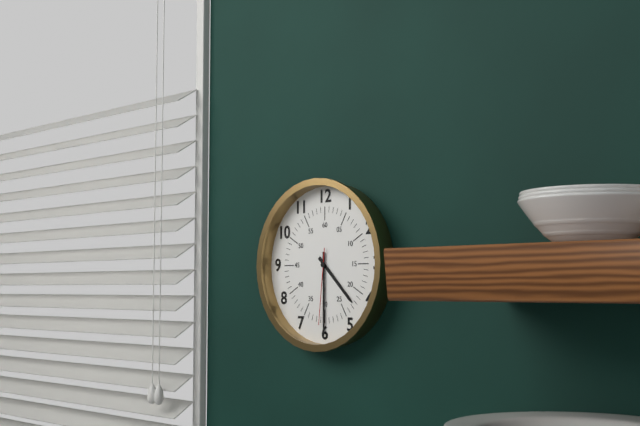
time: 4:30:31
